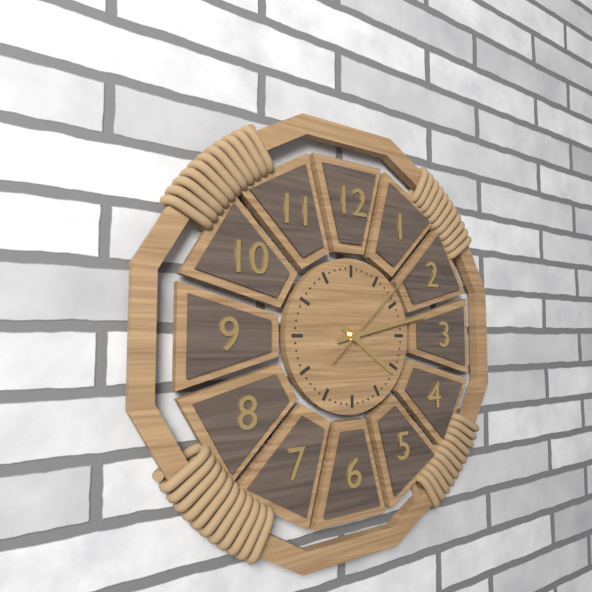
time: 4:13:08
